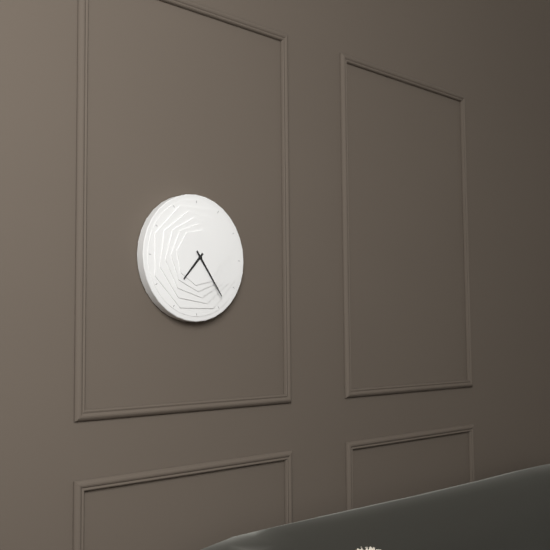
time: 7:24
